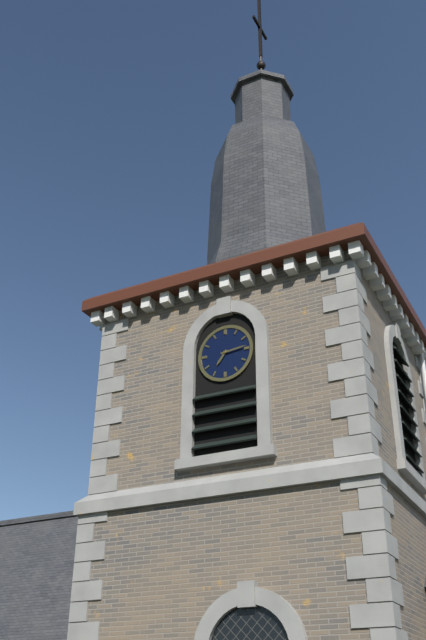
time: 7:14
